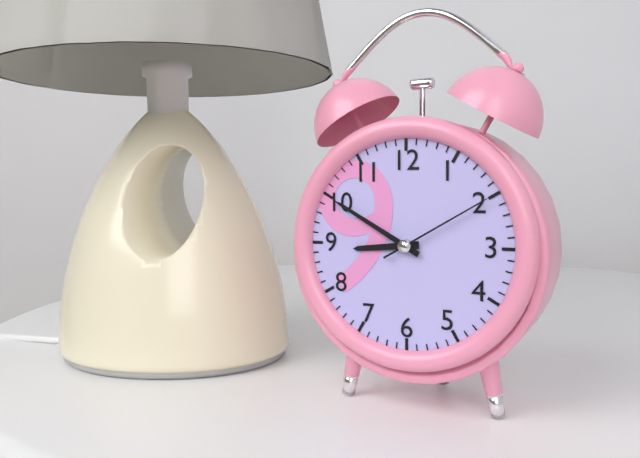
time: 8:50:10
